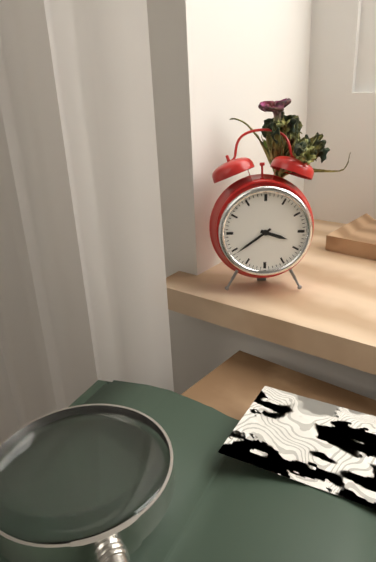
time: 3:39
